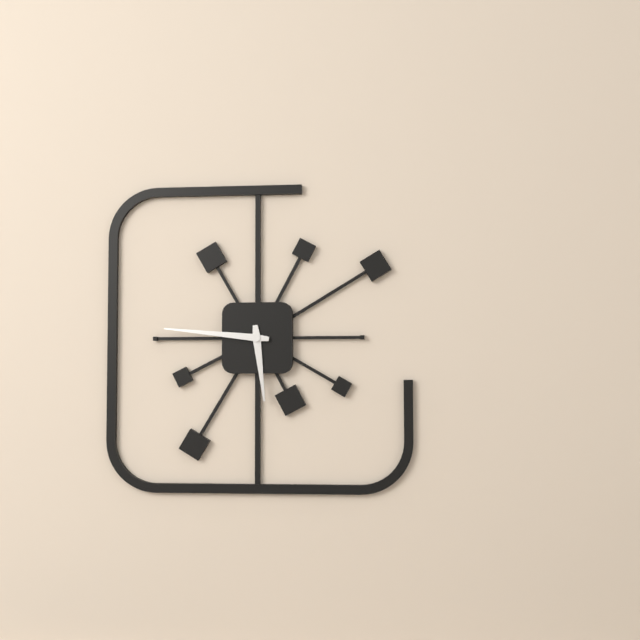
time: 5:46
